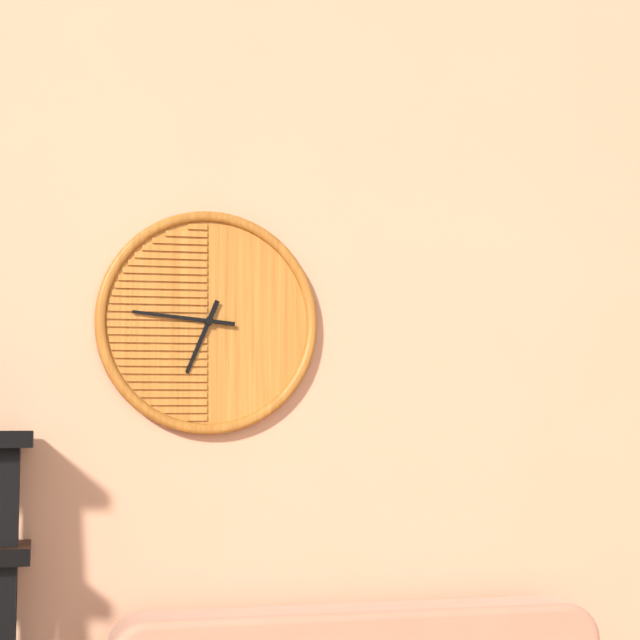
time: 6:46
